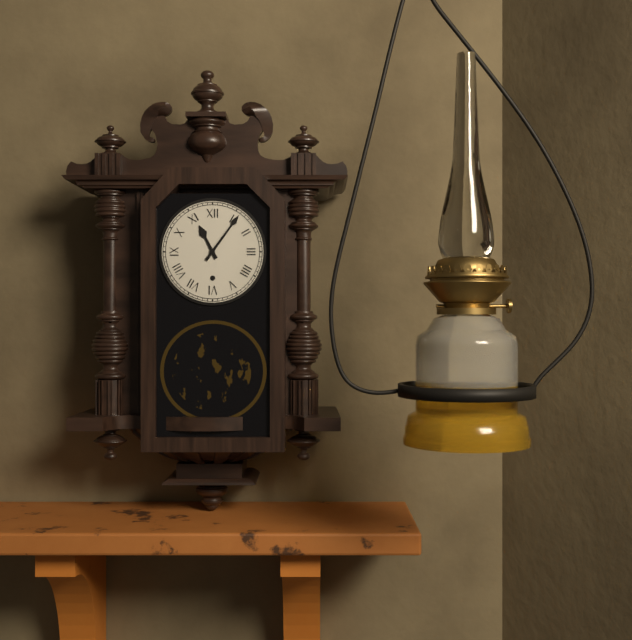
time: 11:06
